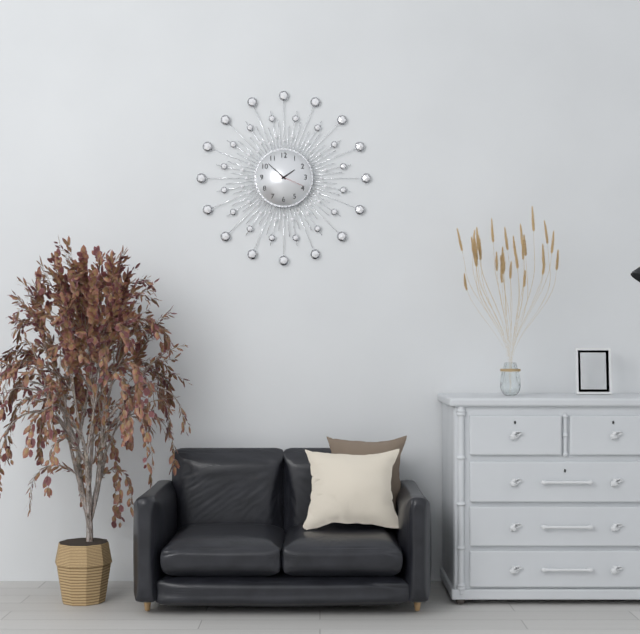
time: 1:52
